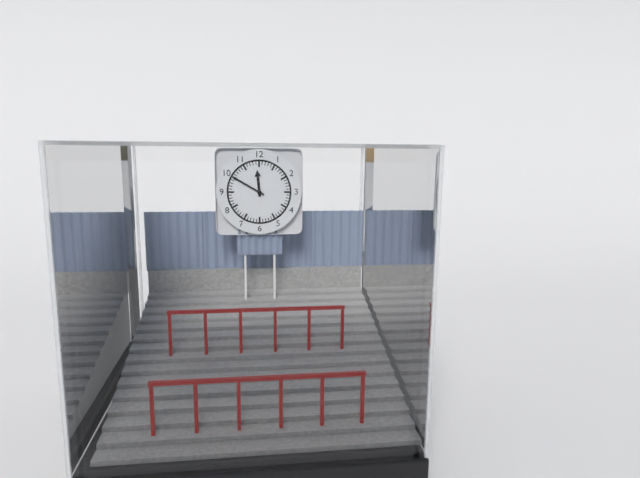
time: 11:50
